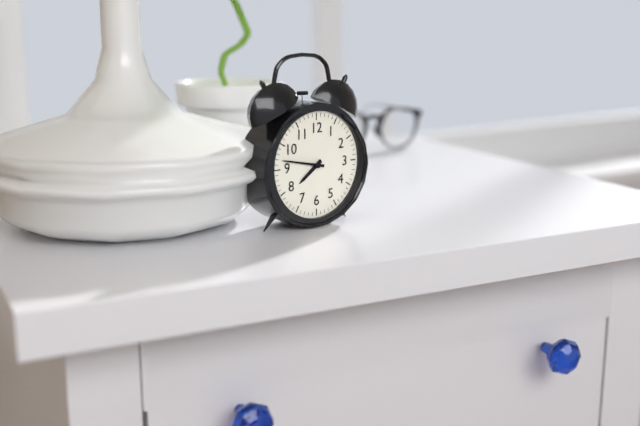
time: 7:47
